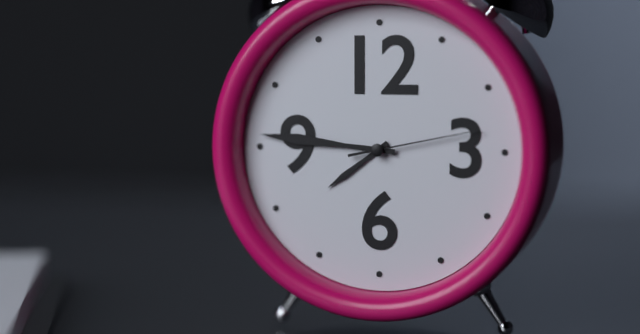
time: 7:46:13
